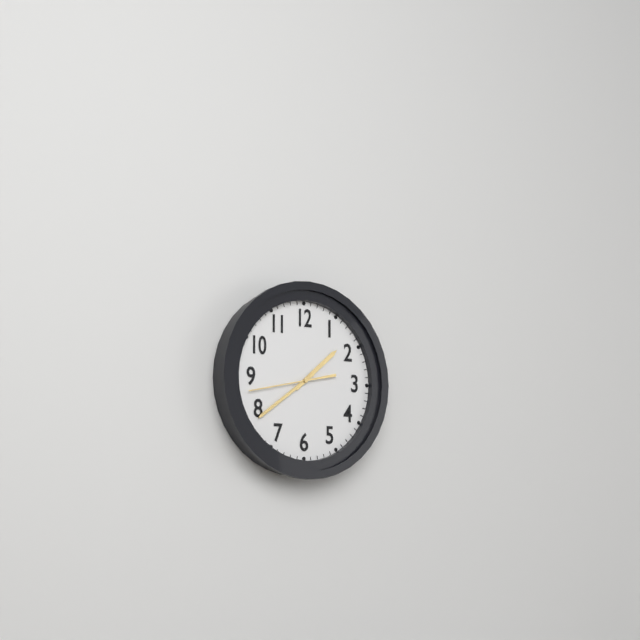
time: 1:39:43
